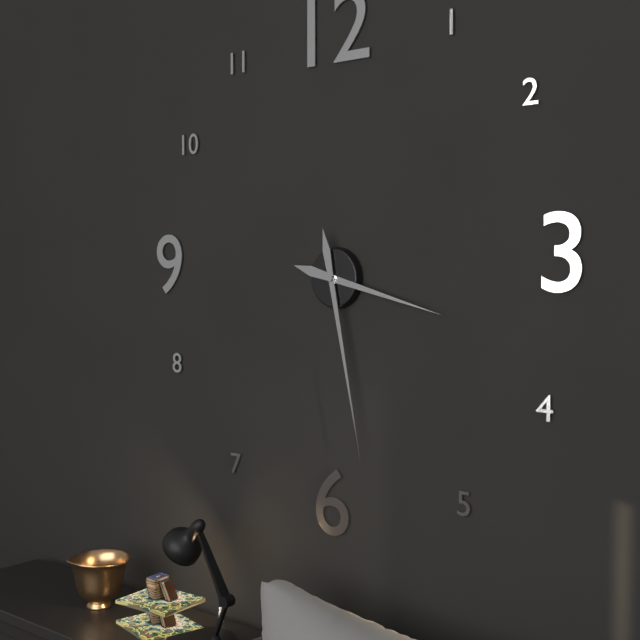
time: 3:28
